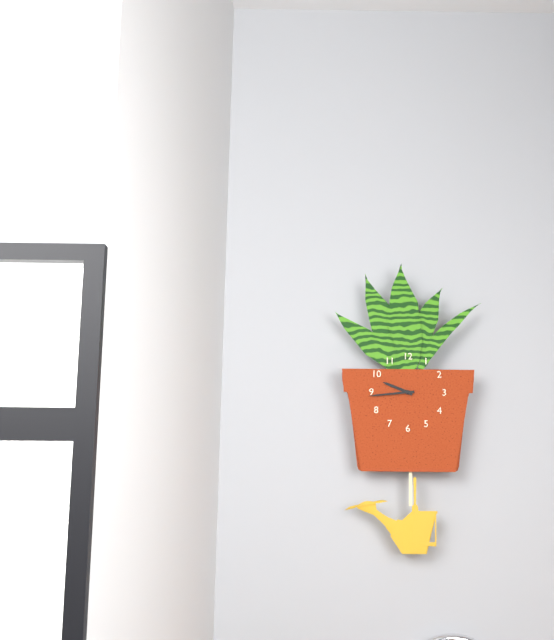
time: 9:44
